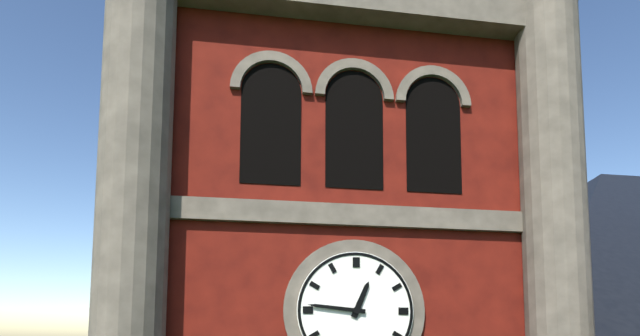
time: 12:46
